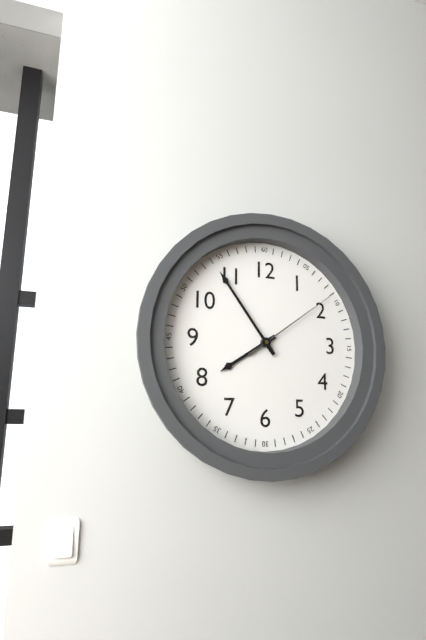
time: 7:54:09
